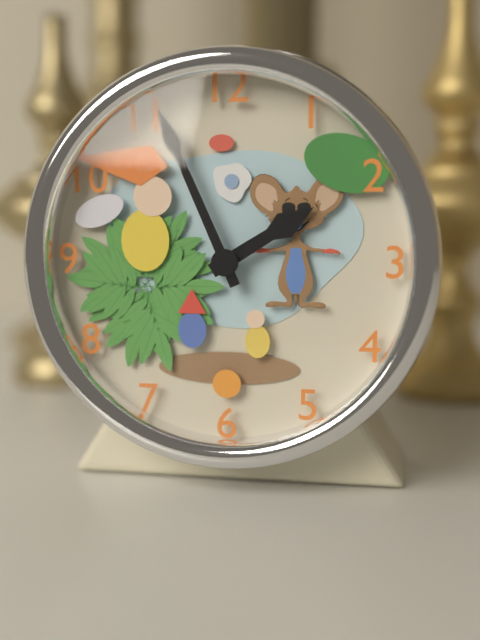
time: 1:56
